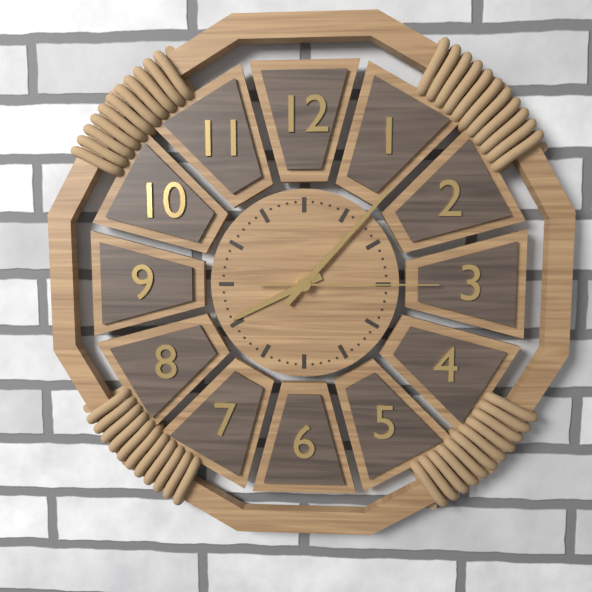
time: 8:07:15
